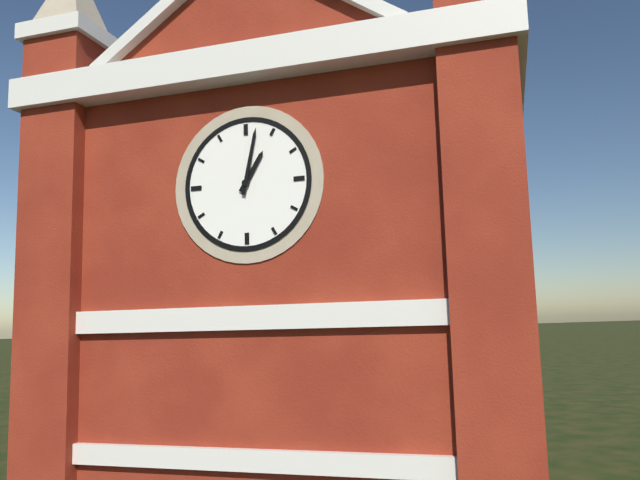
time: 1:02
